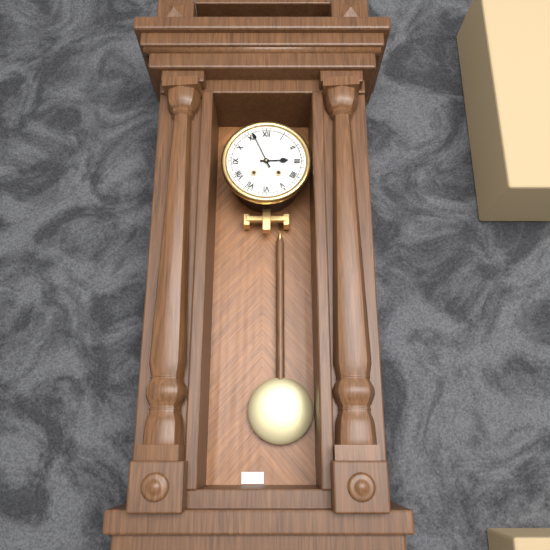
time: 2:56
